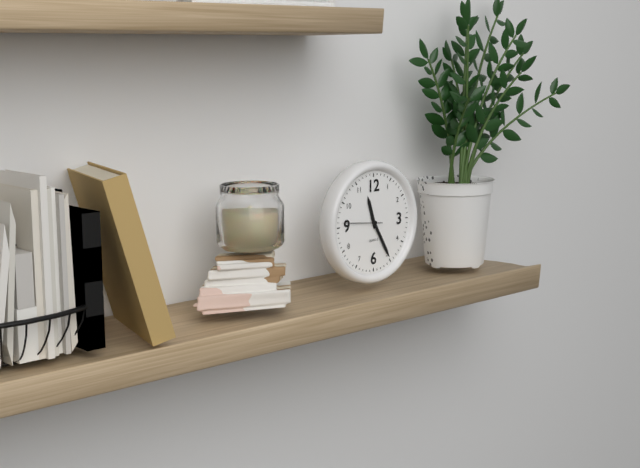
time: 11:25
